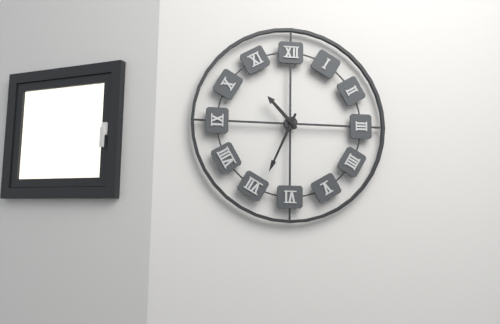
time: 10:34
